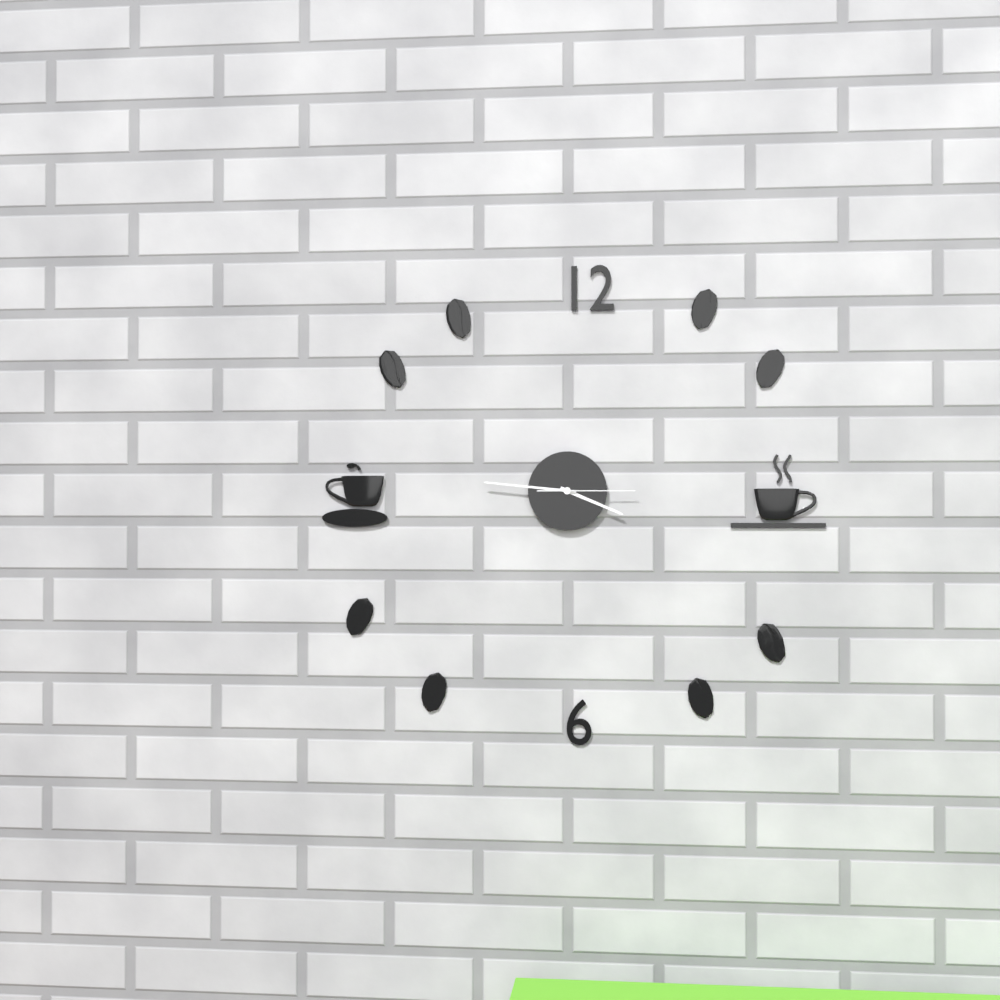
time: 3:46:15
